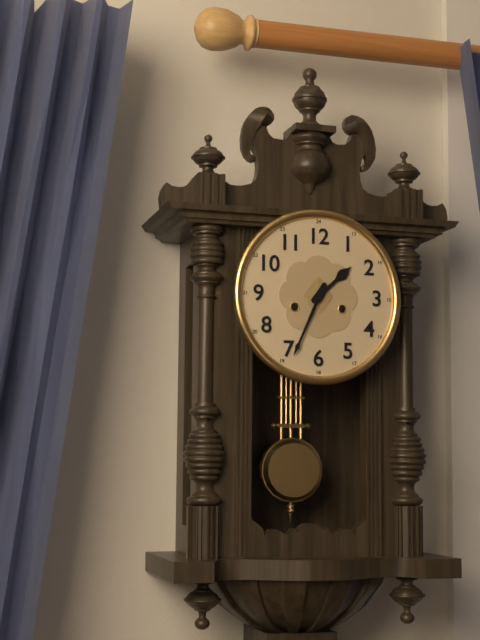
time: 1:34
